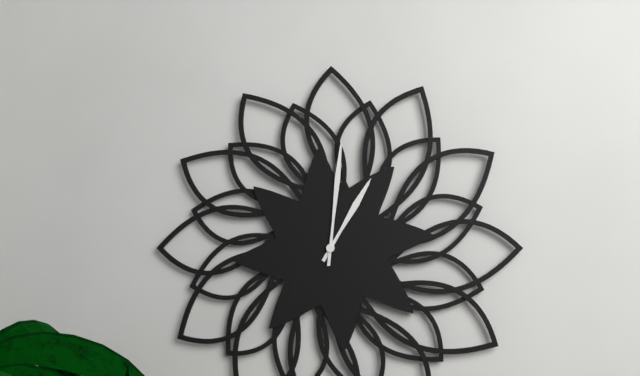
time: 1:01
